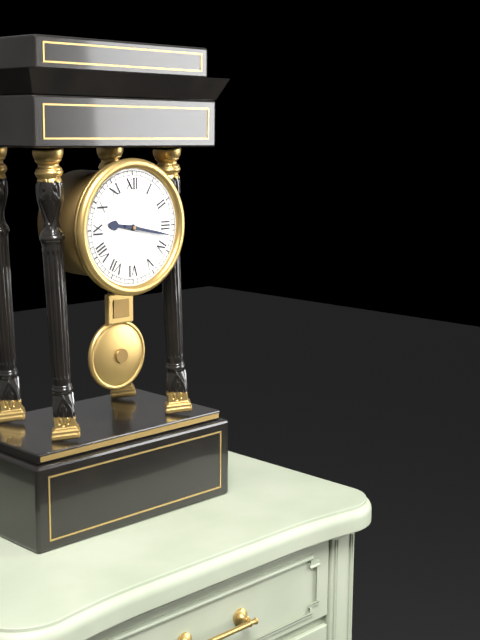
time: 9:17
